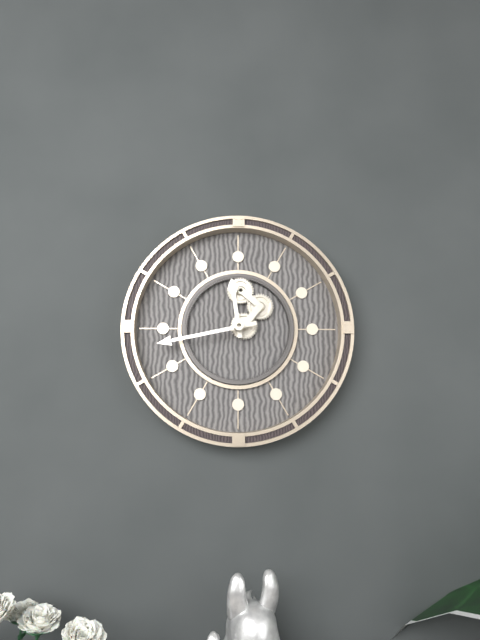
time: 11:43
